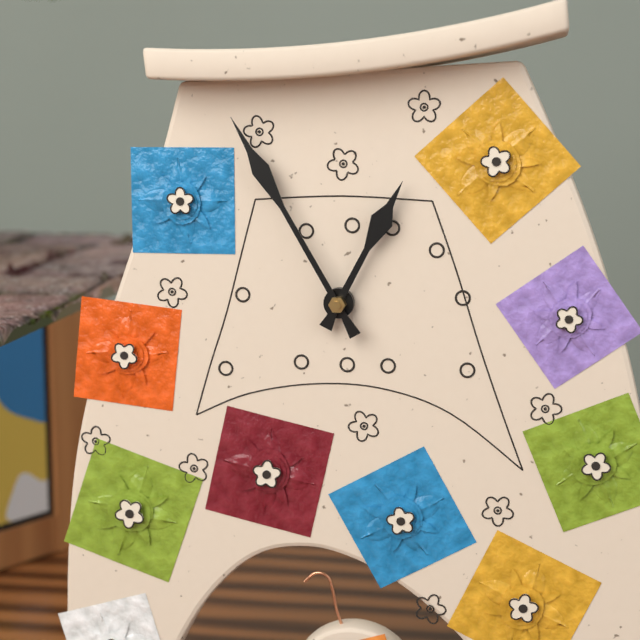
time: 12:55
